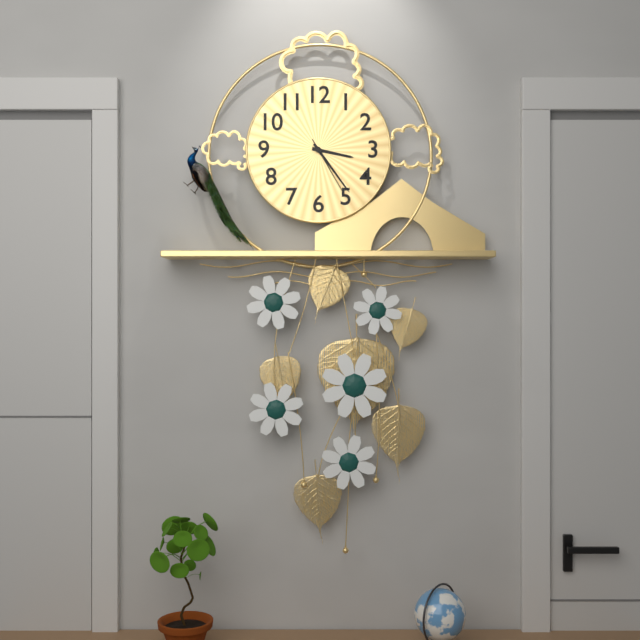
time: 3:24:25
